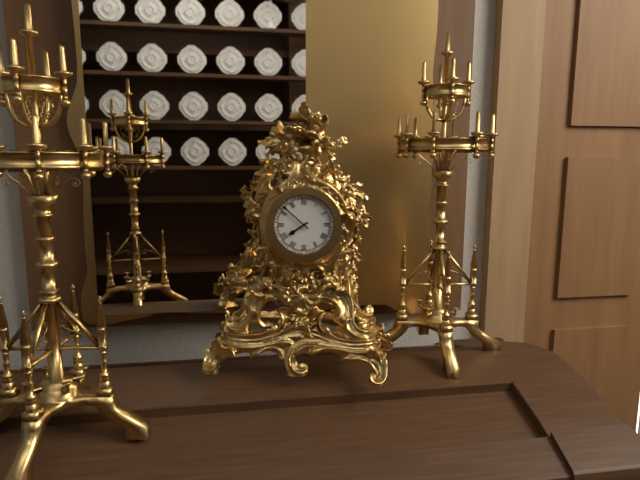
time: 7:52
